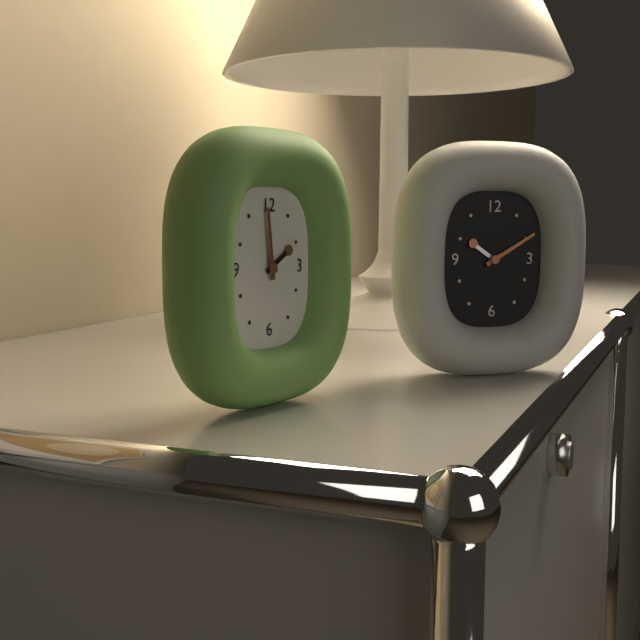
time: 1:59
